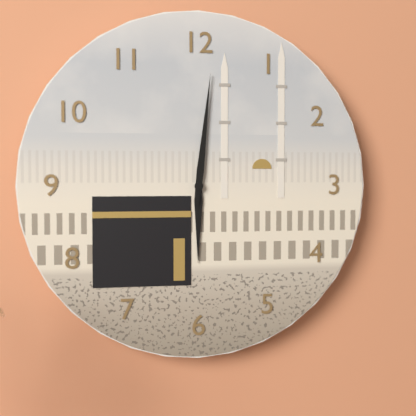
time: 6:01
